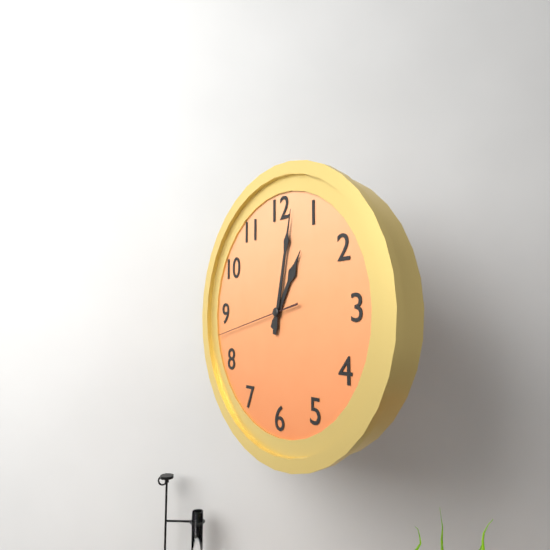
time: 1:02:43
